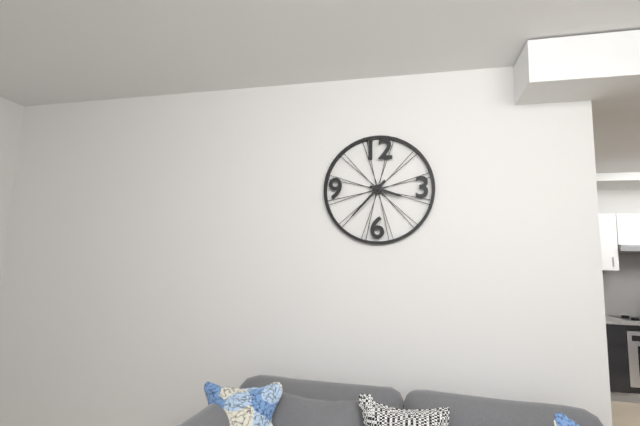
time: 3:37
